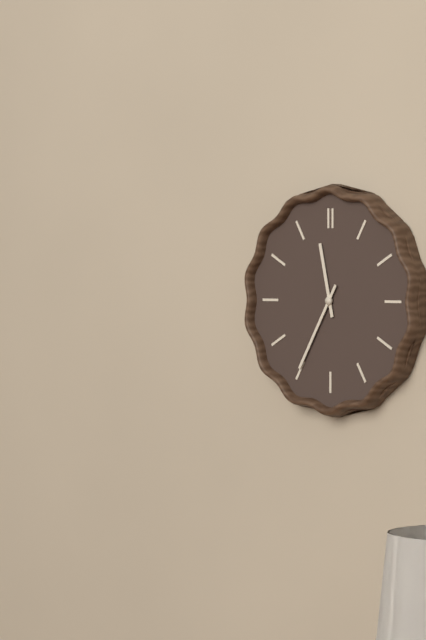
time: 11:35
